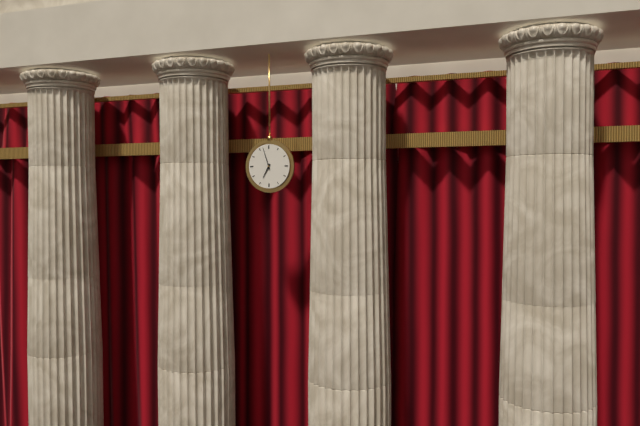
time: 6:57
